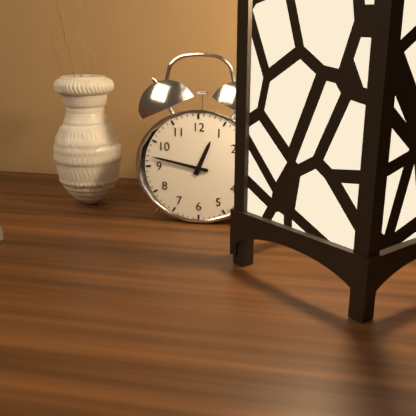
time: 12:47
